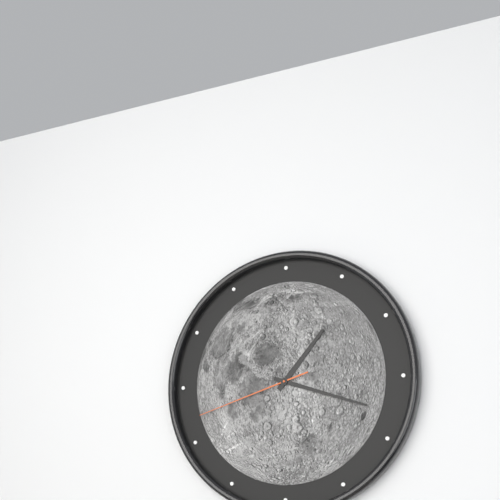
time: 1:18:42
